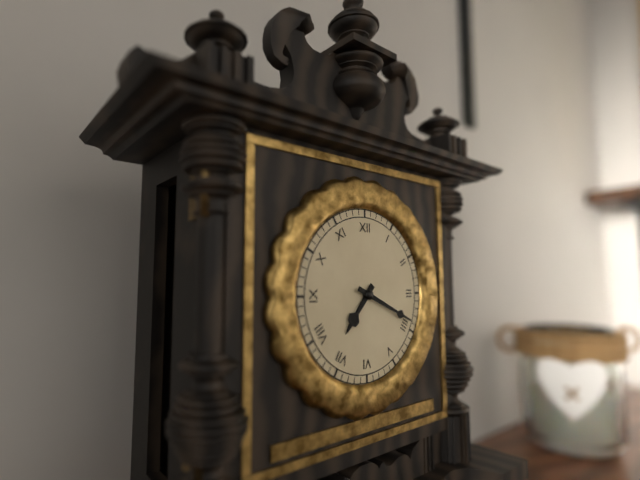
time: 7:19
